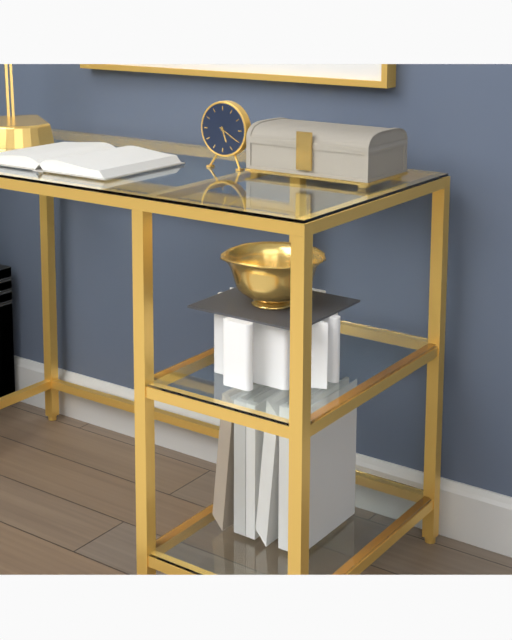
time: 5:20
